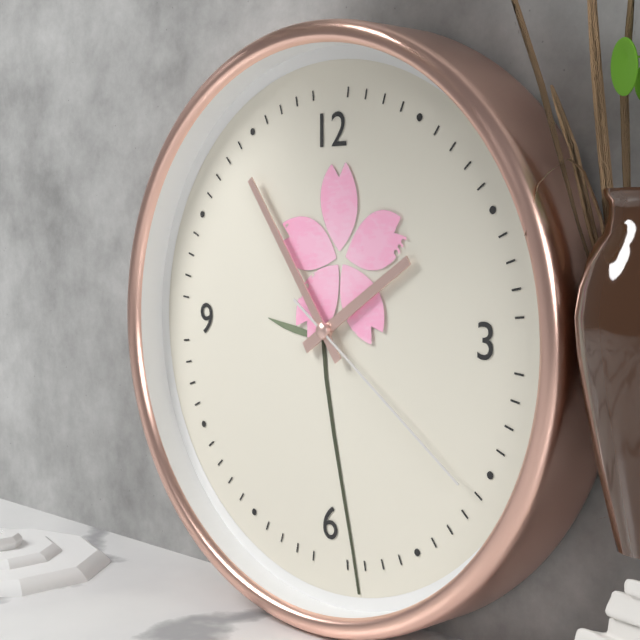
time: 1:54:21
